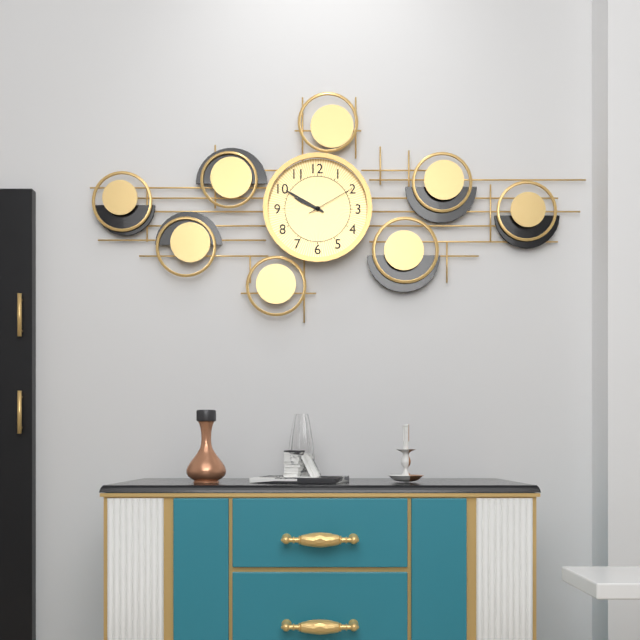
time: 9:50:10
